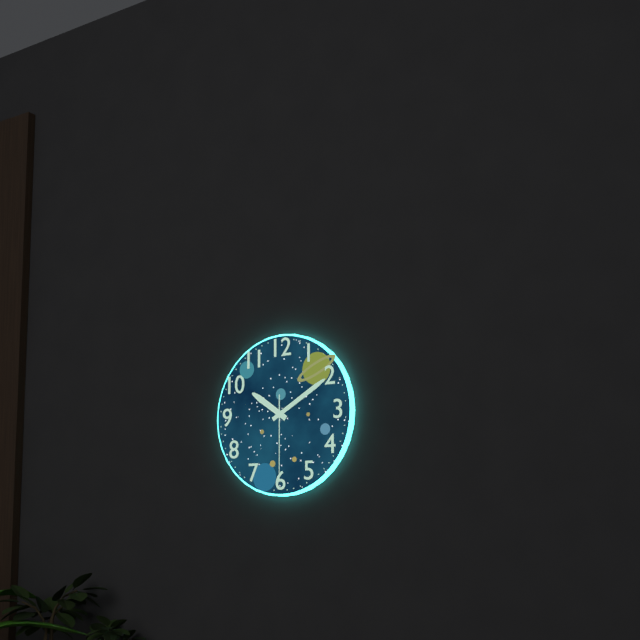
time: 10:10:30
